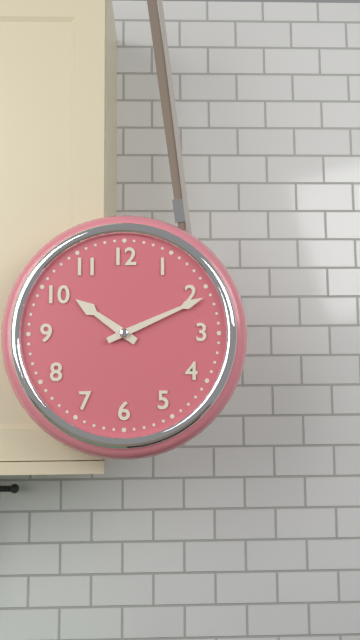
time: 10:11
